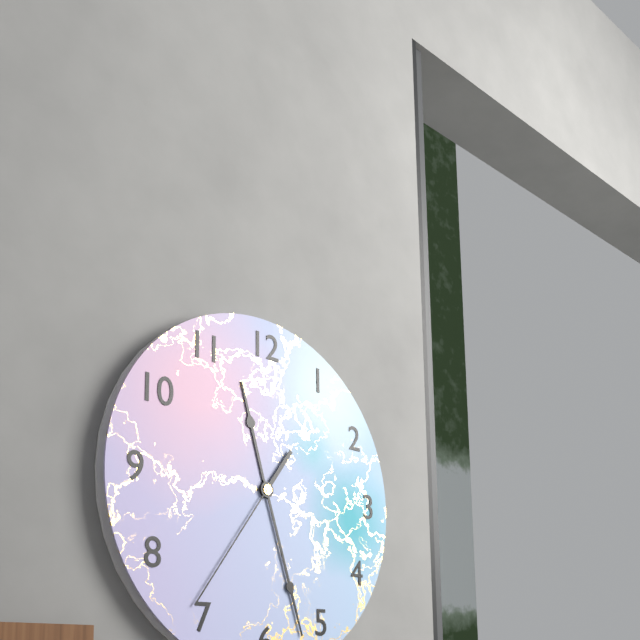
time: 11:27:36
